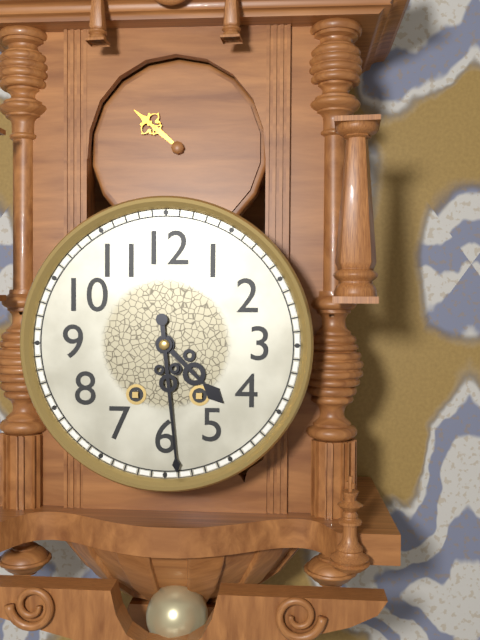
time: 4:29
